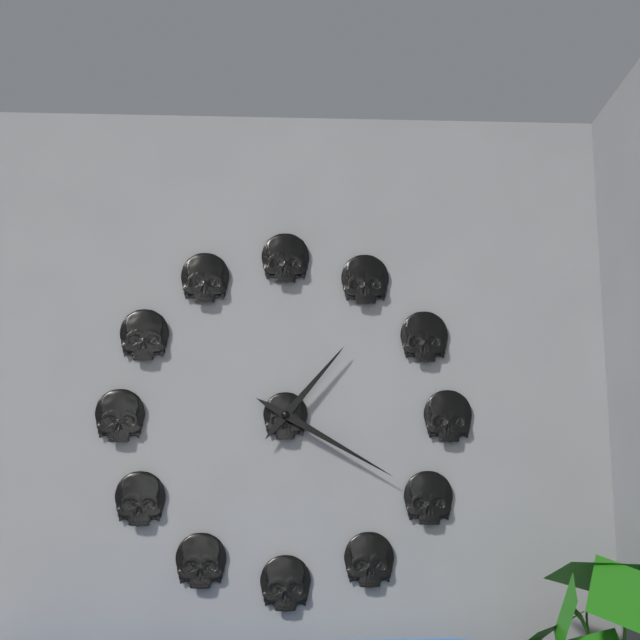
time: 1:20
